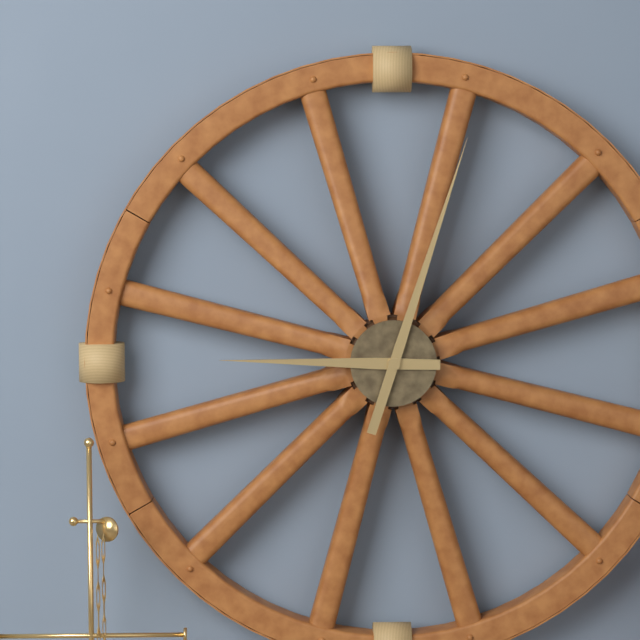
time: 9:03
